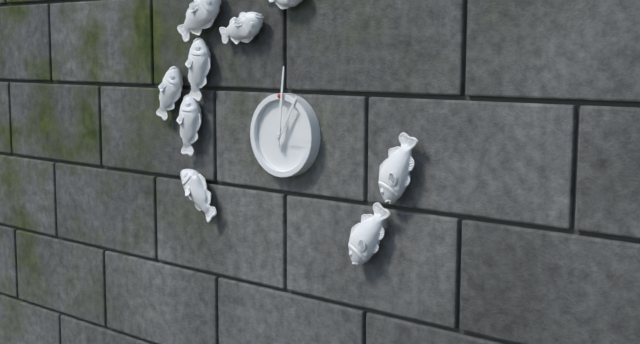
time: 1:01
